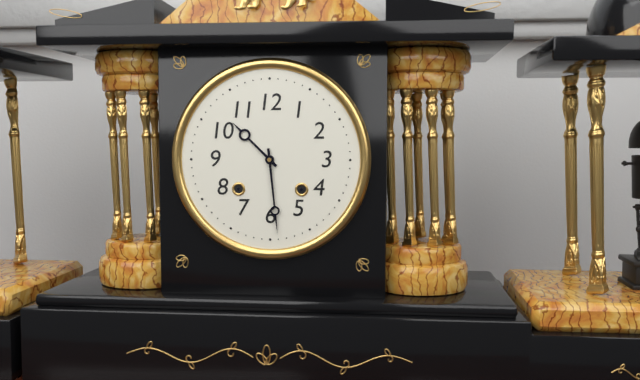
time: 10:29
